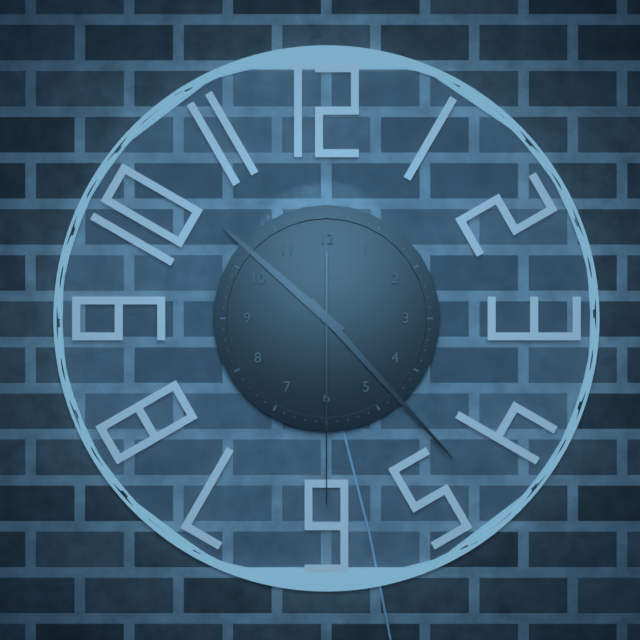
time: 10:23:30
